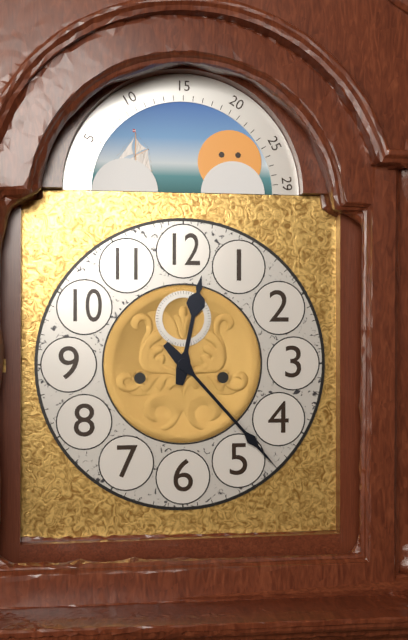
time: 12:23
